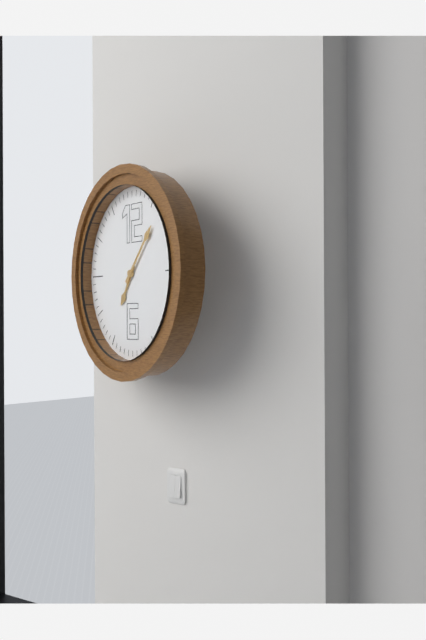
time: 7:07
